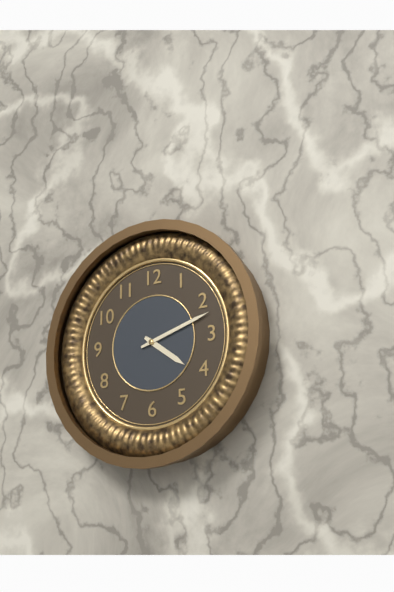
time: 4:12
